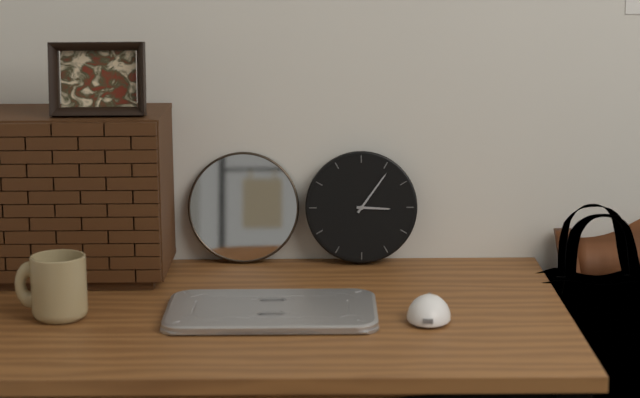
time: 3:06
